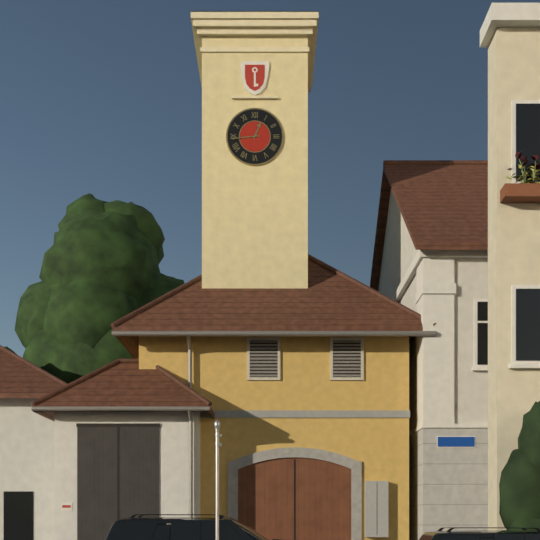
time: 12:44
